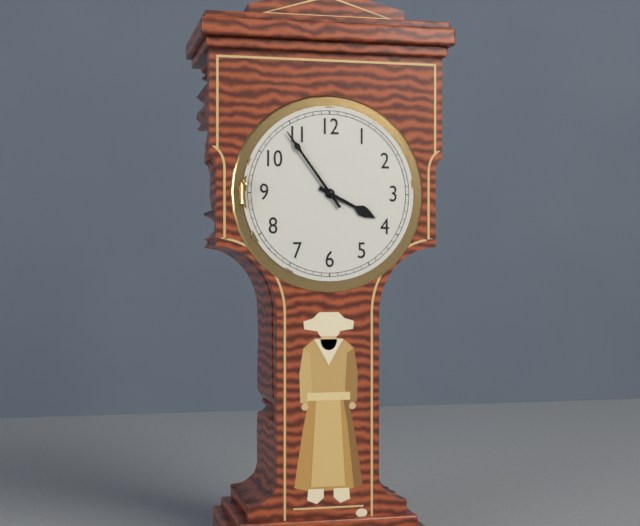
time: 3:54
